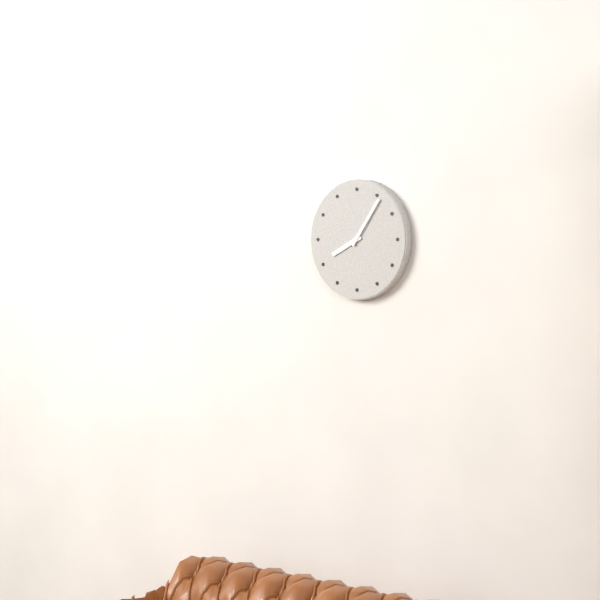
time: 8:06
